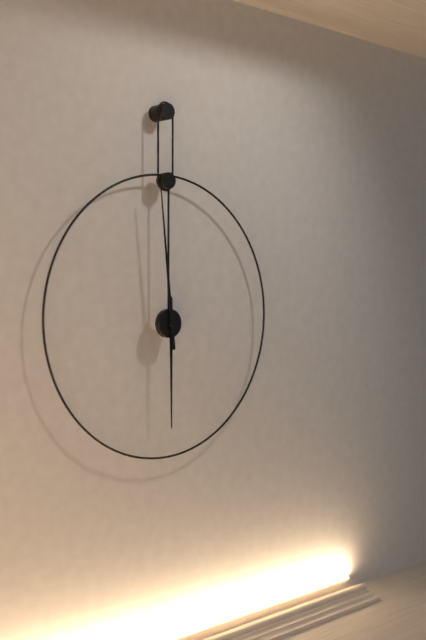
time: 5:59
